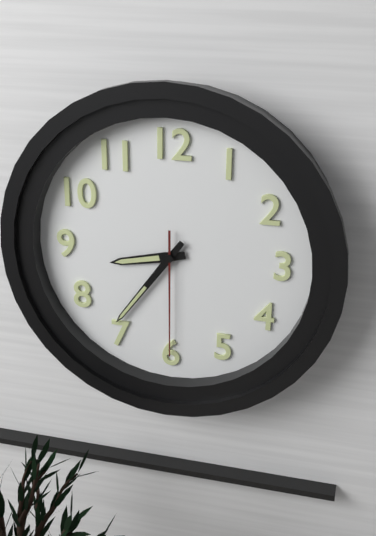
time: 8:36:30
